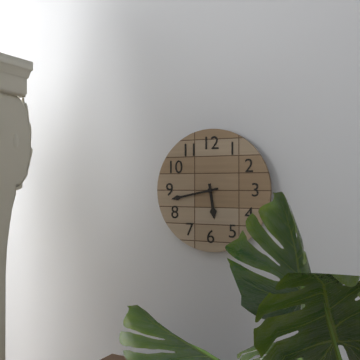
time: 5:43
